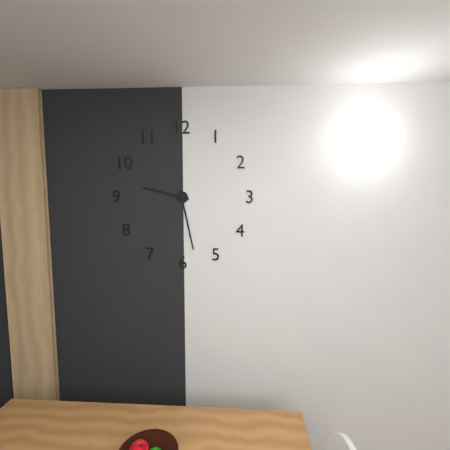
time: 9:28
